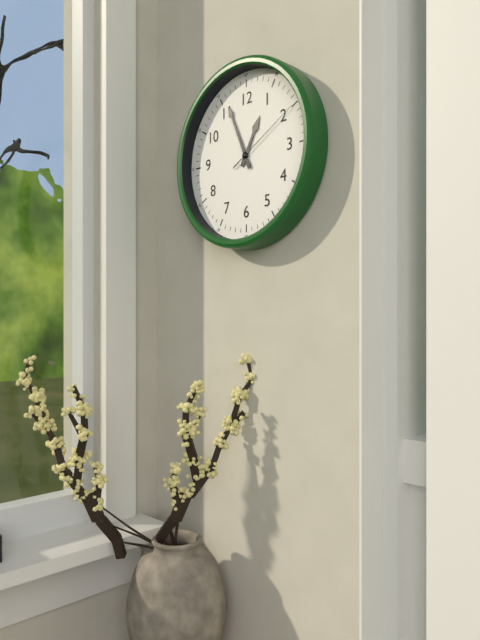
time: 12:56:10
